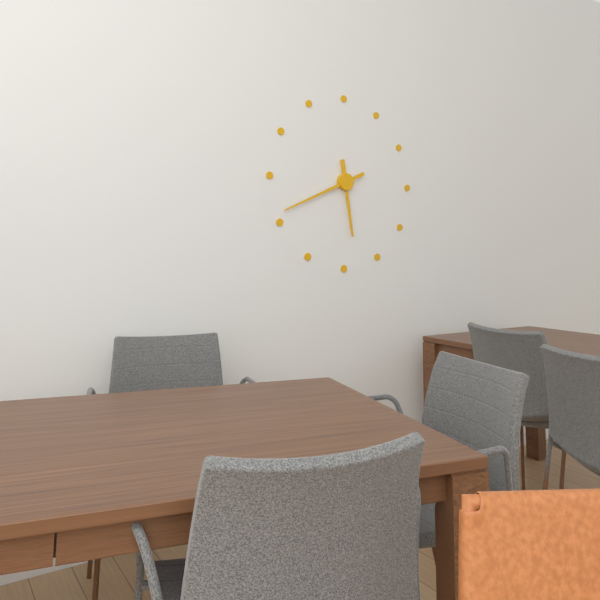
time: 5:41
